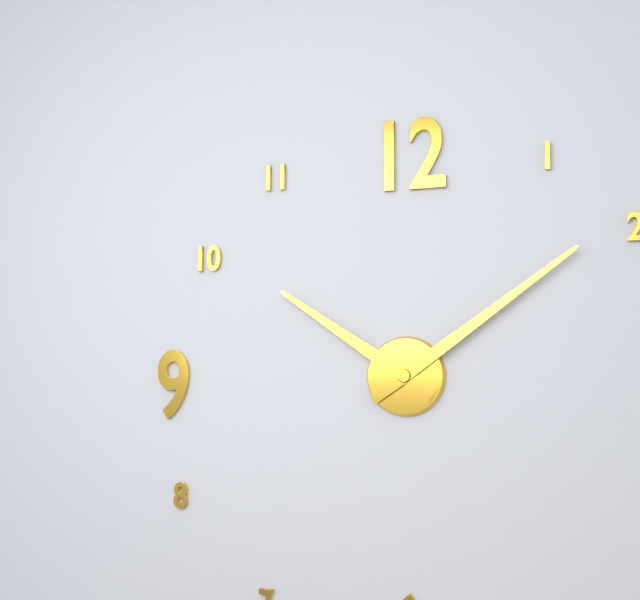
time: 10:09
